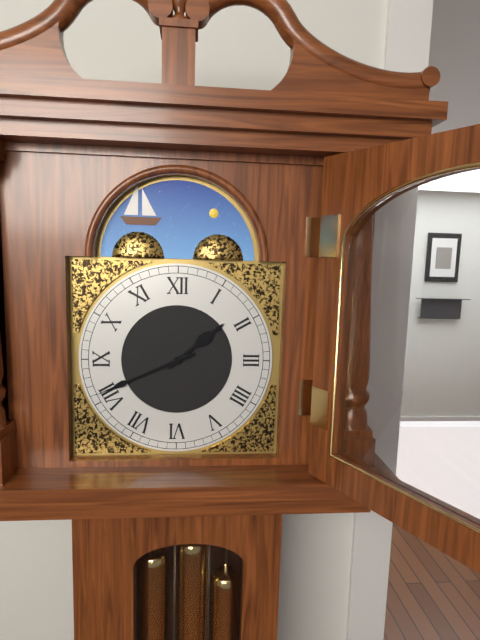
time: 1:41
